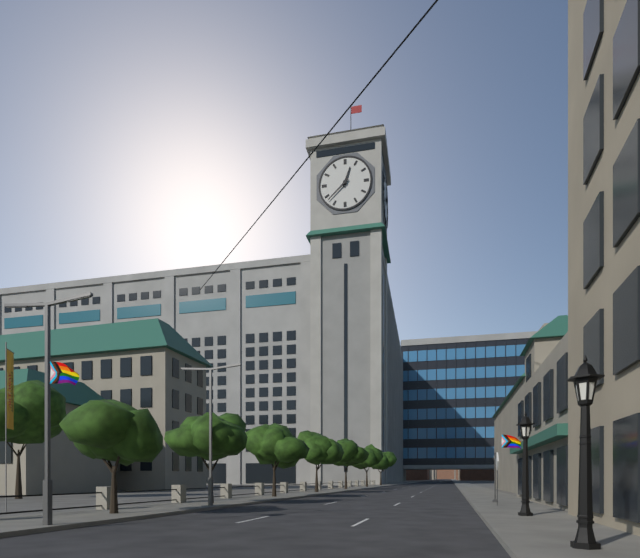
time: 12:38
